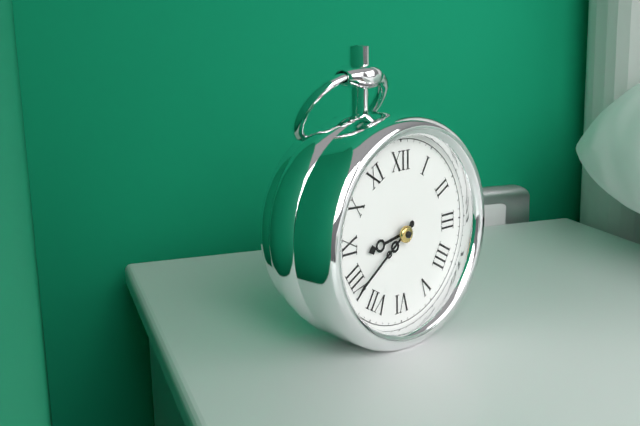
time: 8:39
